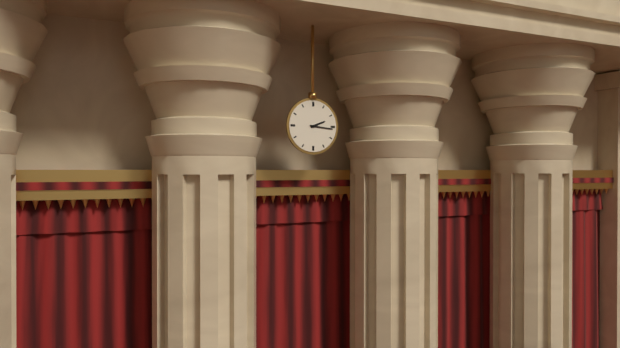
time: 2:16
